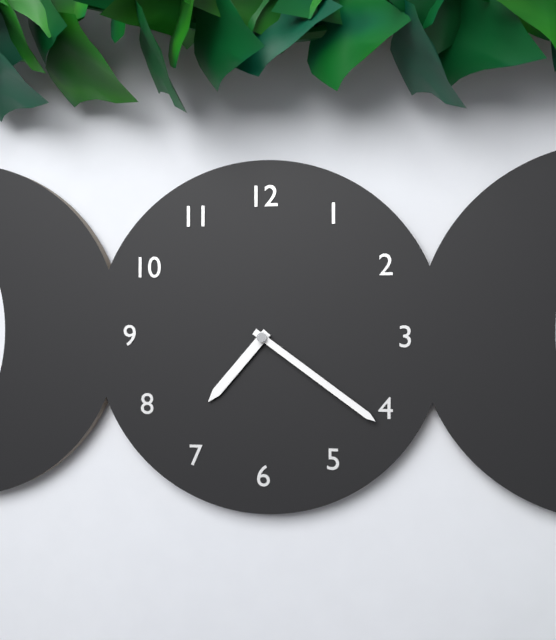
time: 7:21
